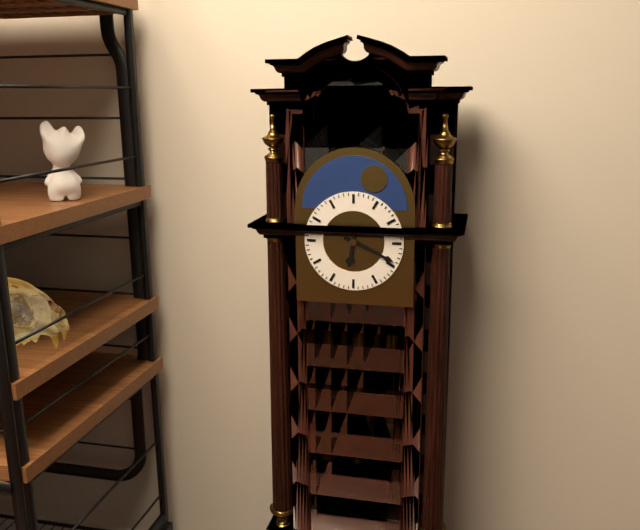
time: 6:19
